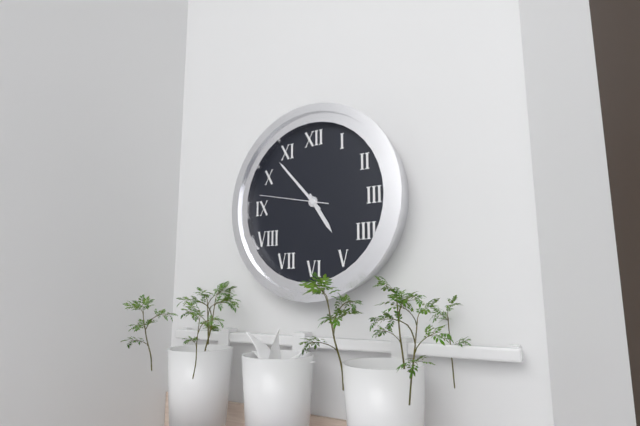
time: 4:53:47
